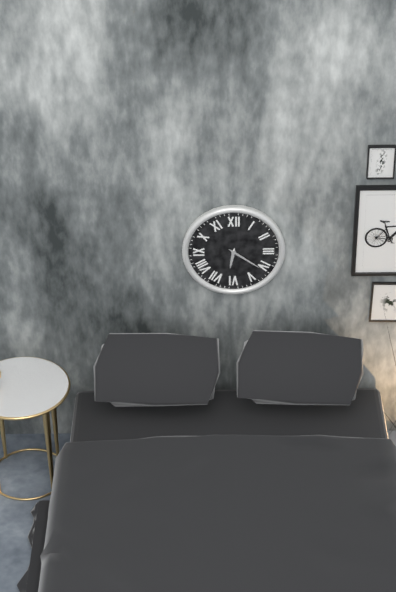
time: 6:21
